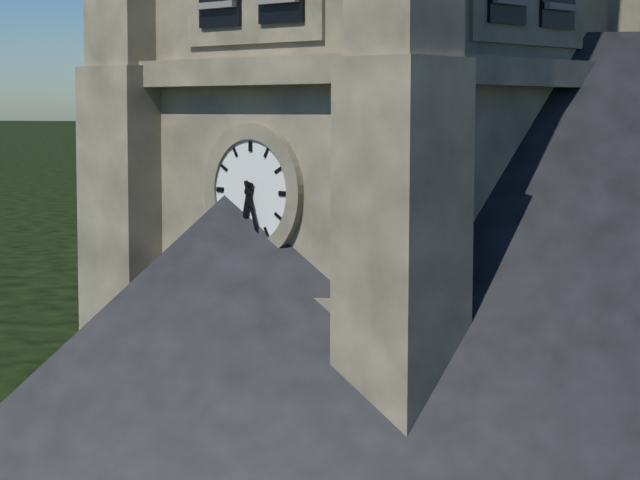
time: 6:27
